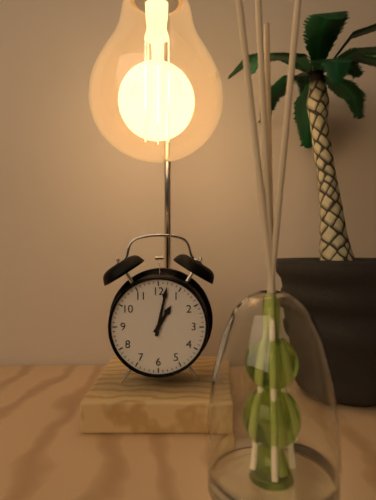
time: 1:02
